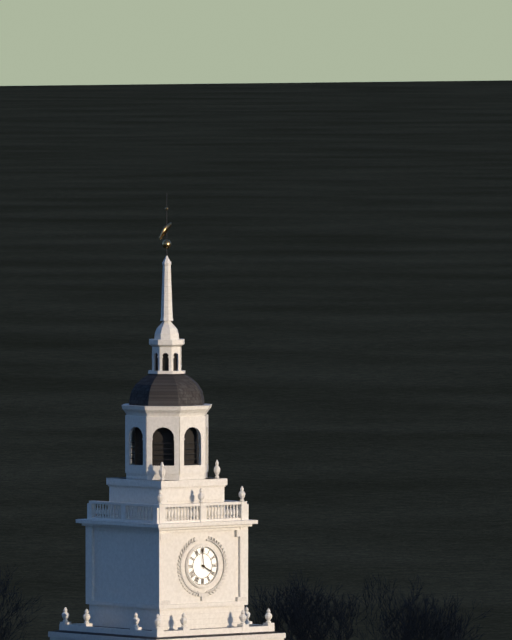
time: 3:59
